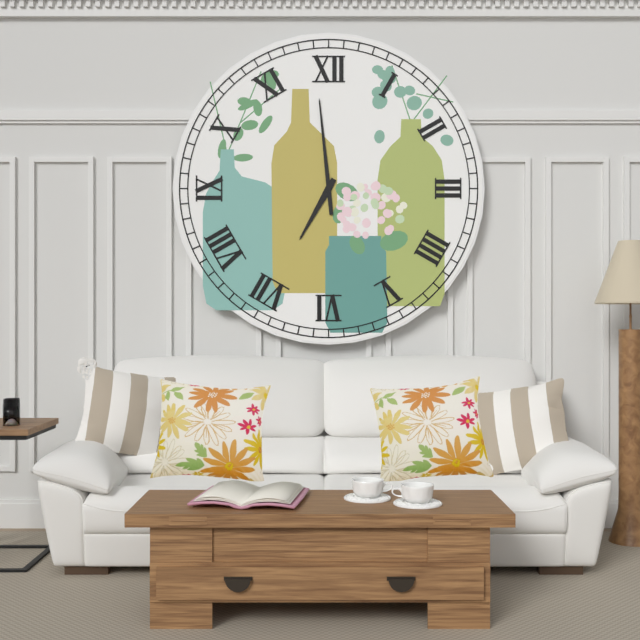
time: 6:59
